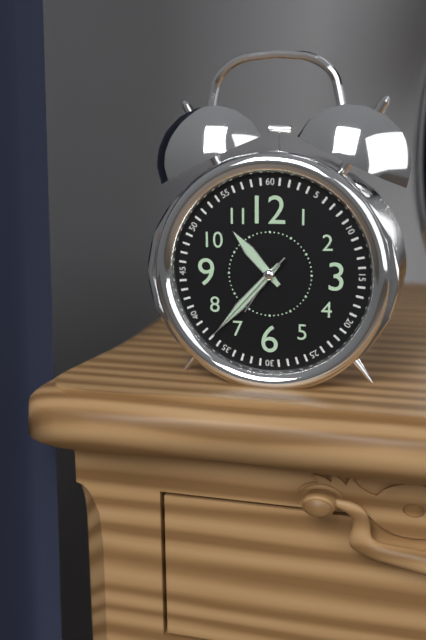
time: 10:37:37
